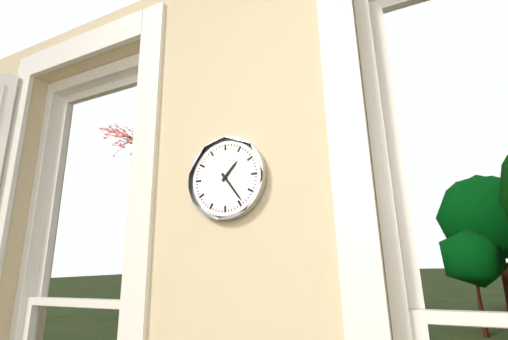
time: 1:24
